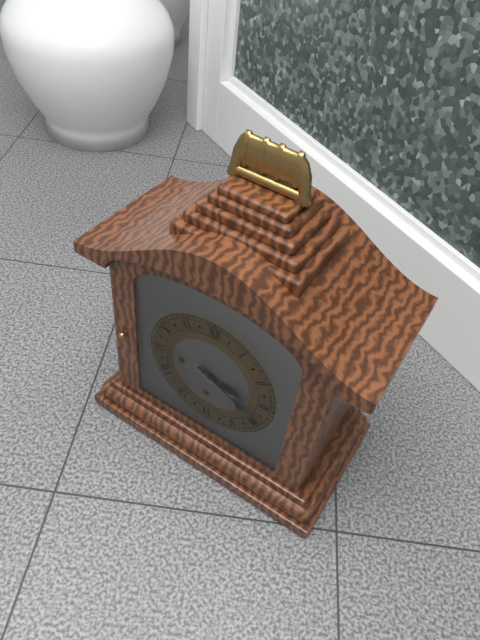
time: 3:19
